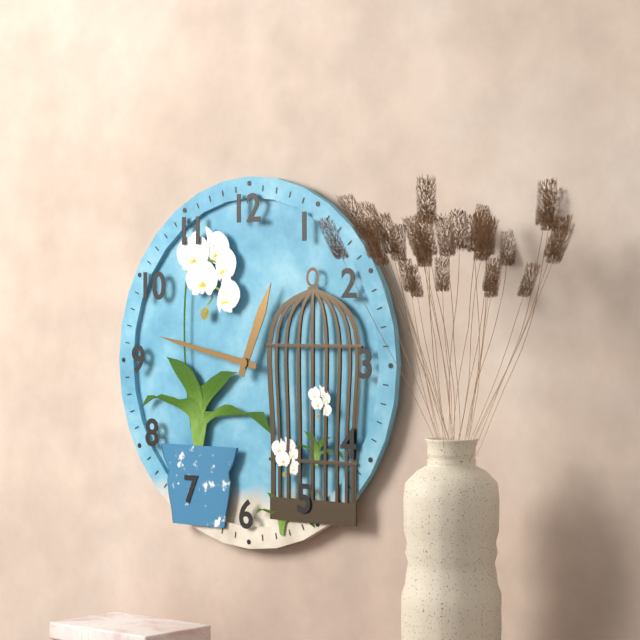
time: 12:47
